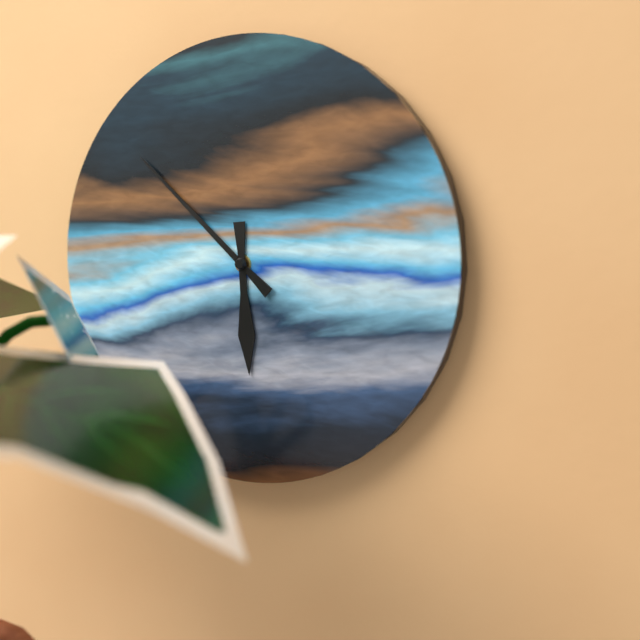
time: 5:52
